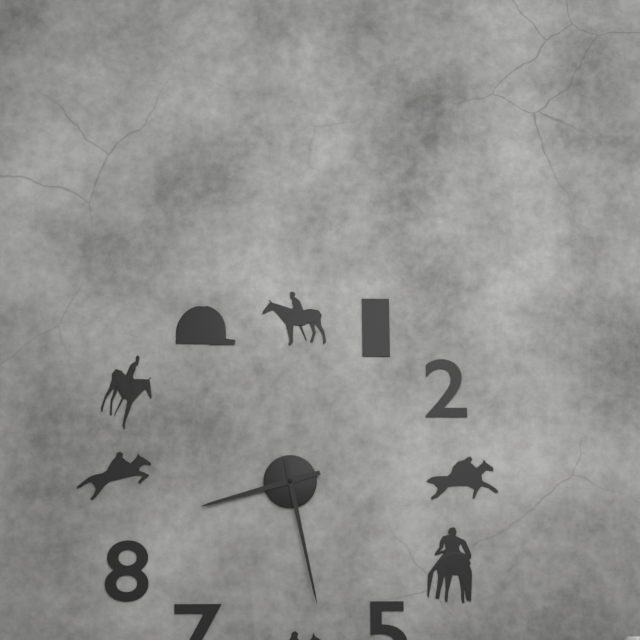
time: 8:28
